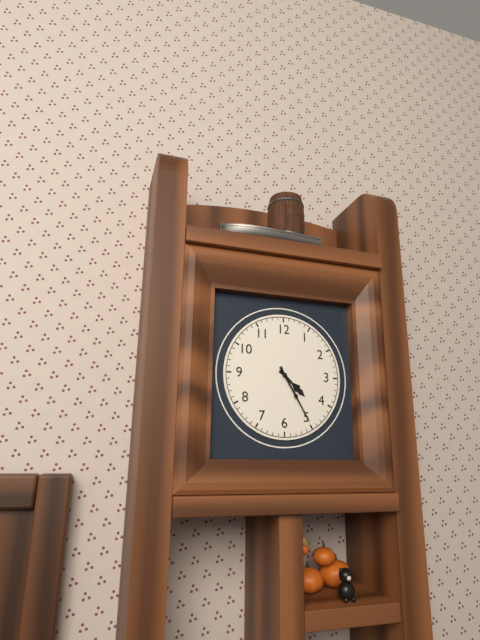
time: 4:25
